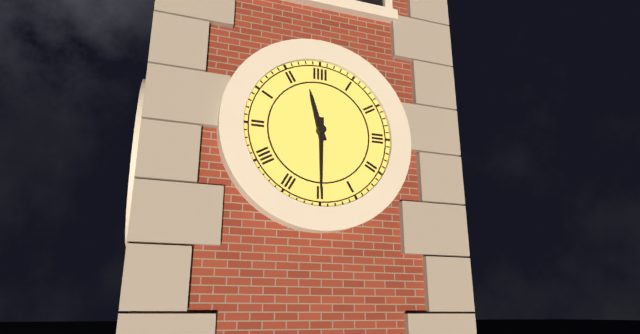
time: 11:30
